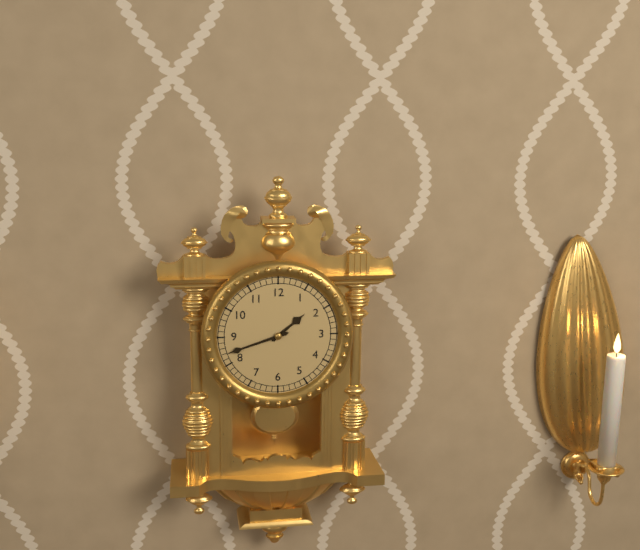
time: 1:42
